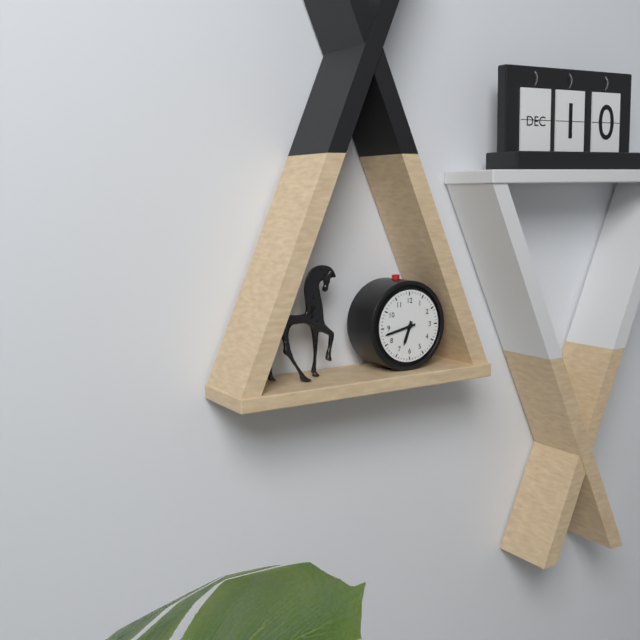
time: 6:43
